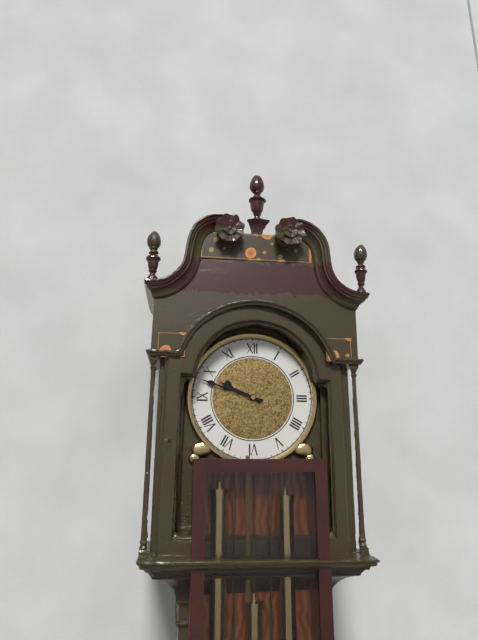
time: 9:48
